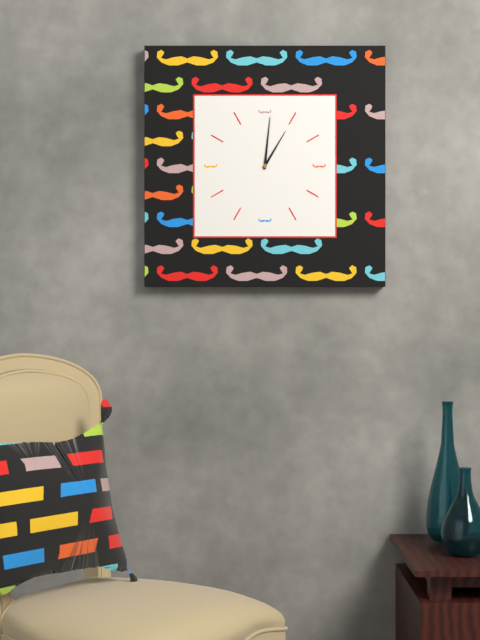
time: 1:01
